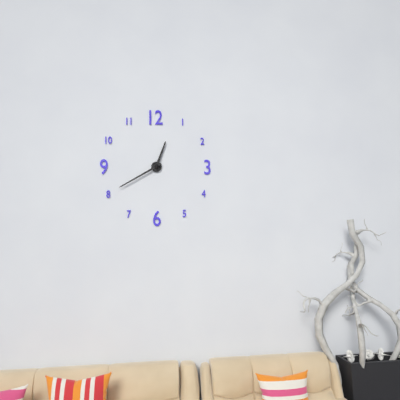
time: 12:40
